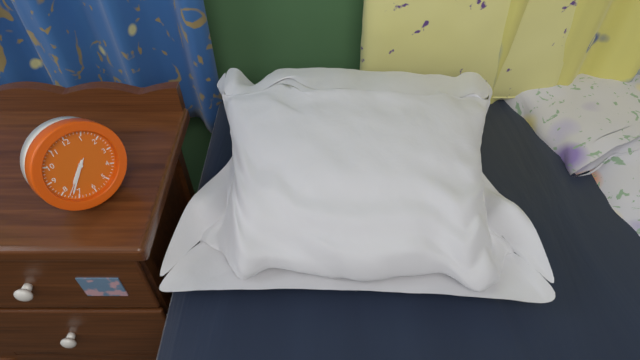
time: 7:37
